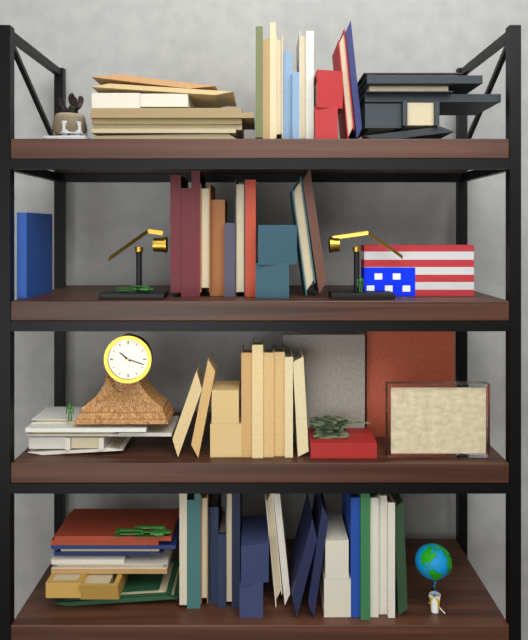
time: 10:18
